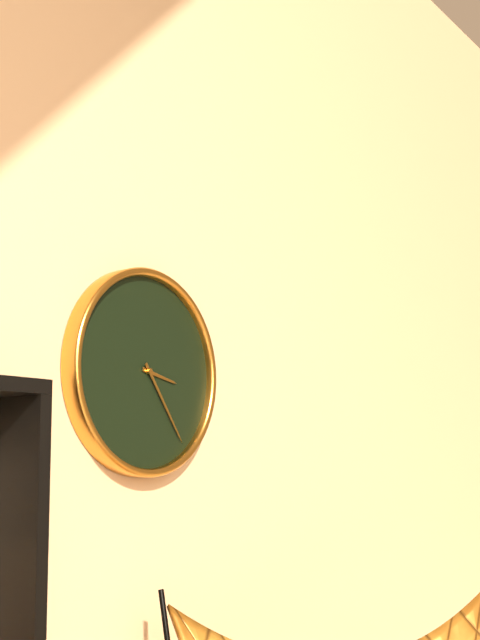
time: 3:24
